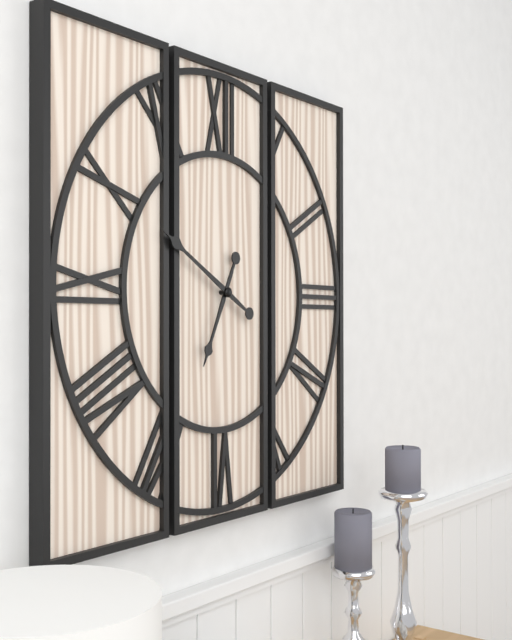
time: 6:50
